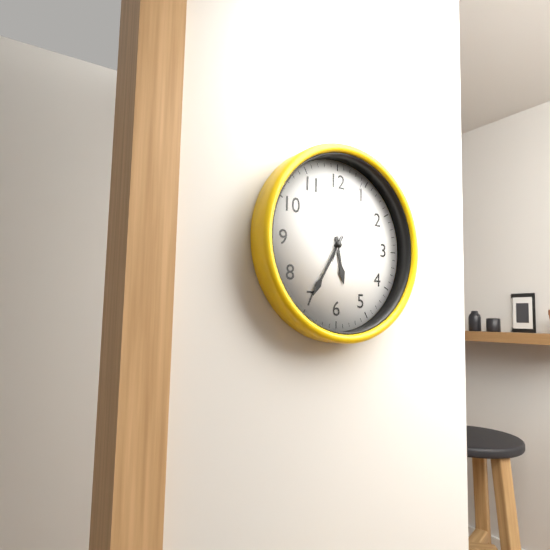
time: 5:35:04
